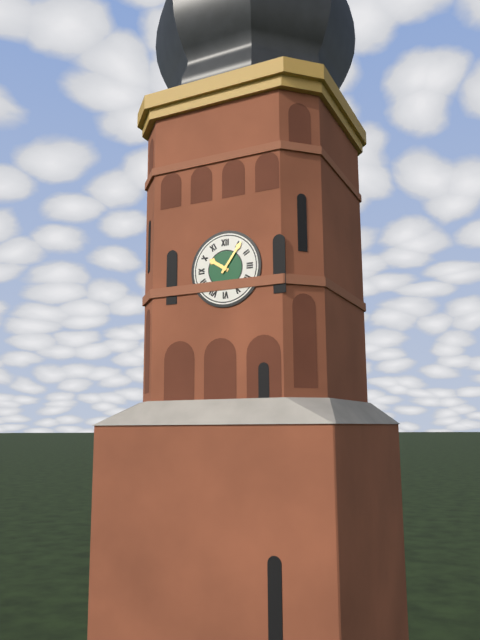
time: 10:06
